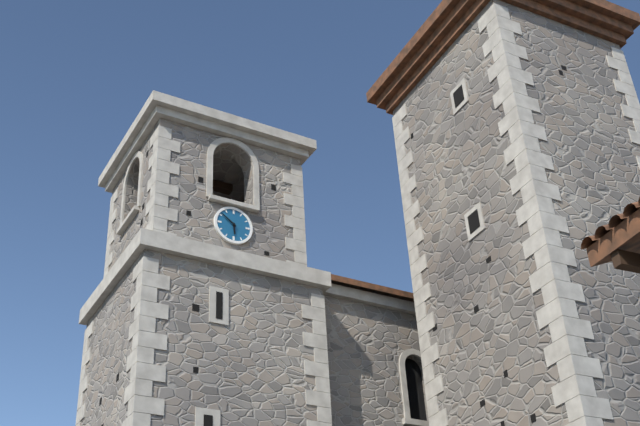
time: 5:51
